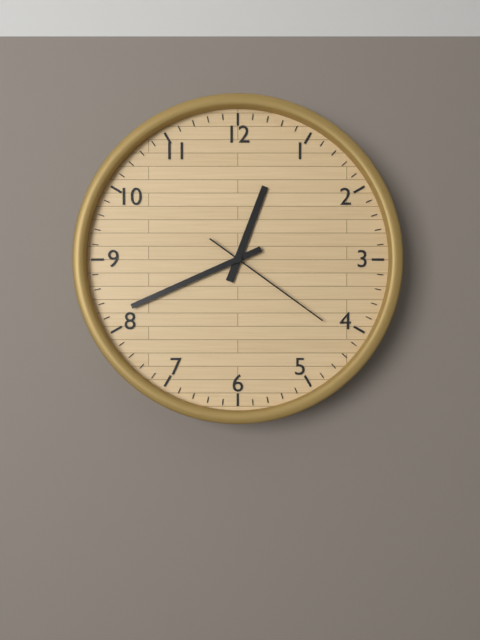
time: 12:41:21
